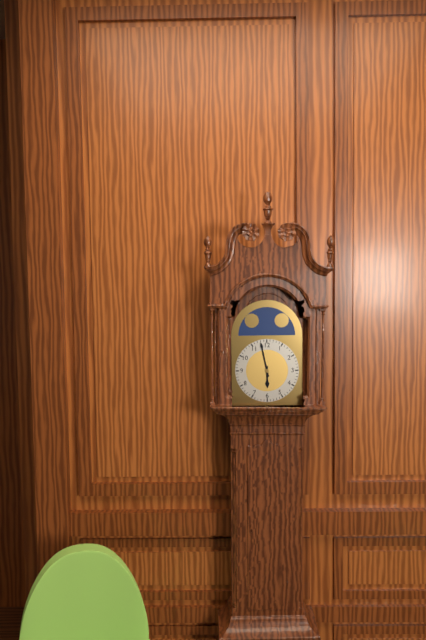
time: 5:58
